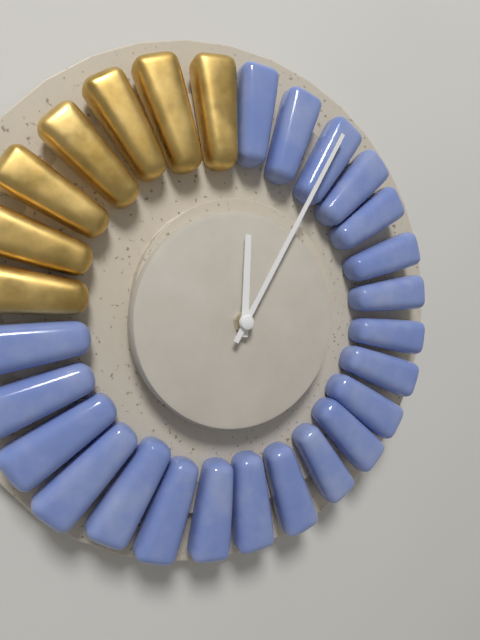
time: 12:05
